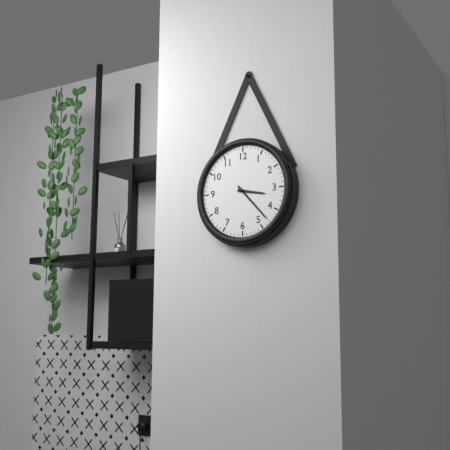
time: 3:23
